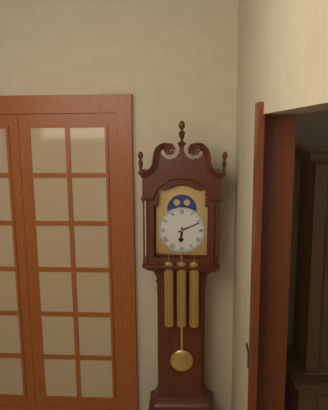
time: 6:11
